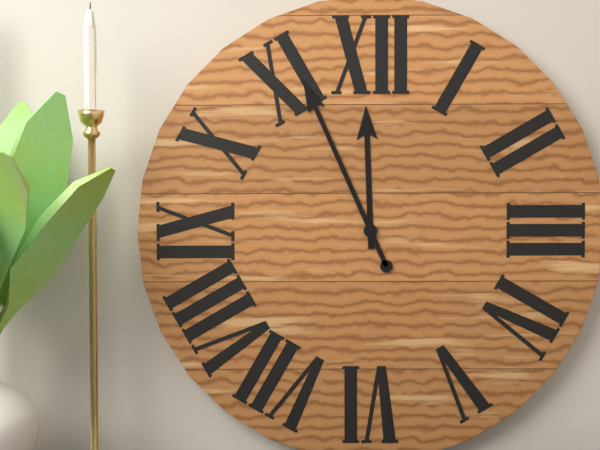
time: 11:56
